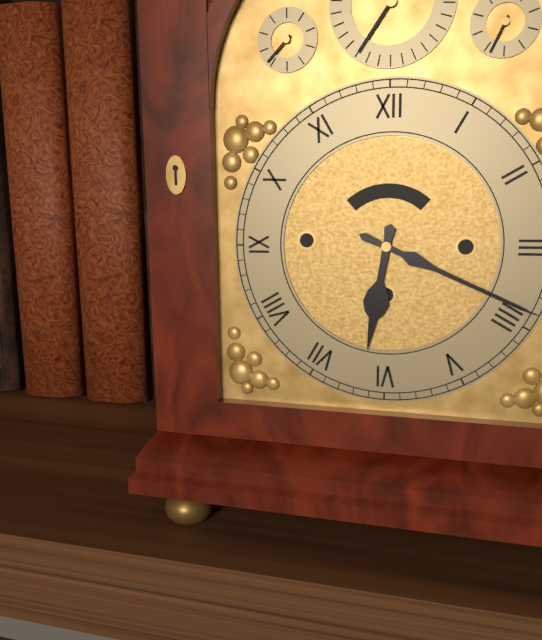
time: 6:19
